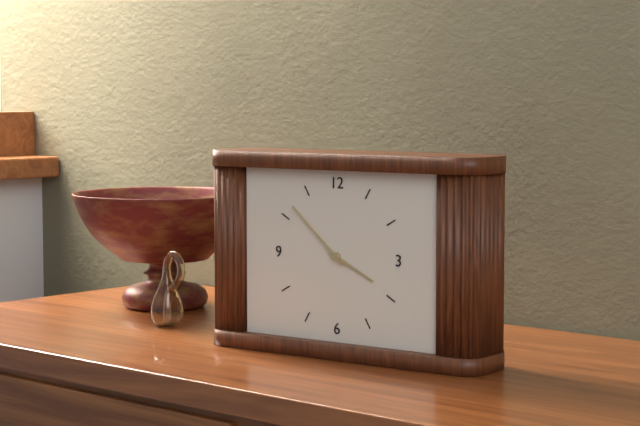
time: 3:52
